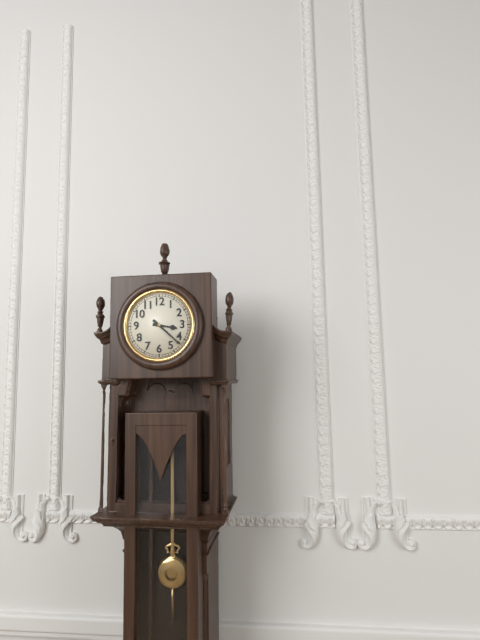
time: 3:22
